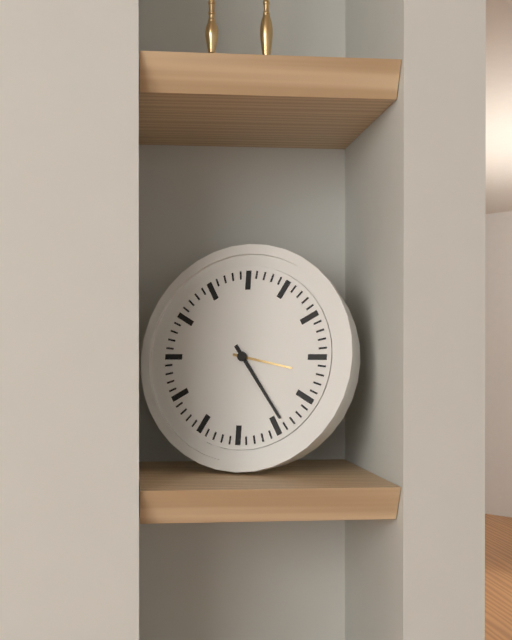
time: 3:24
